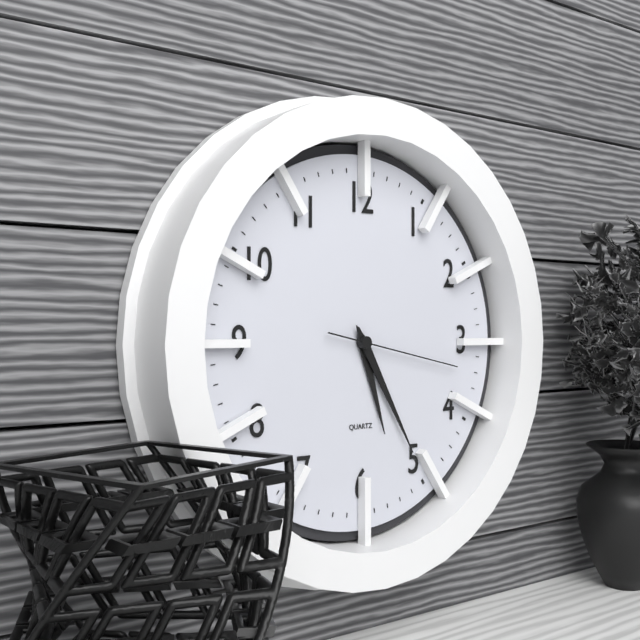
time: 5:25:17
